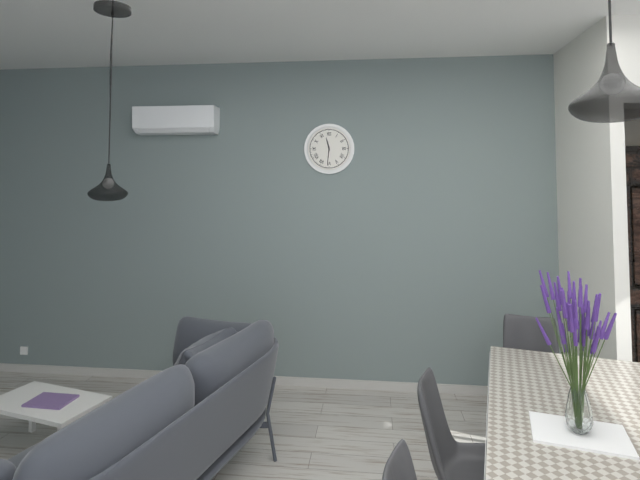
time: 11:31
